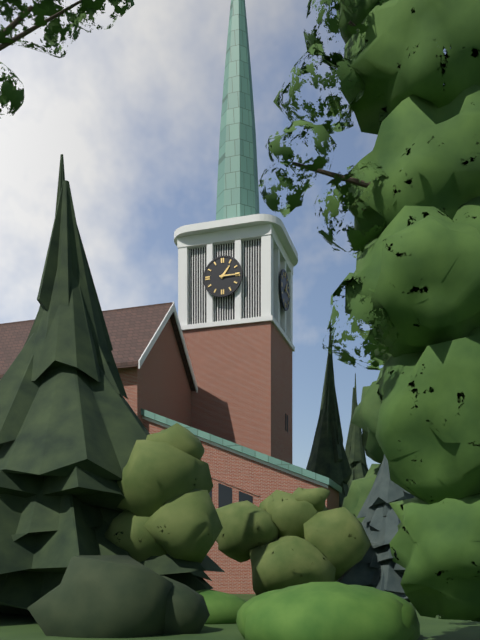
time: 1:15
